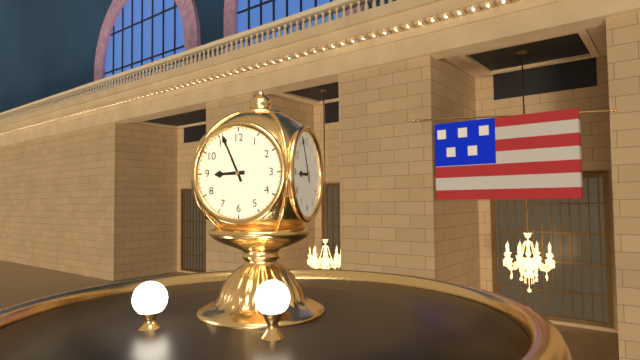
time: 8:56
